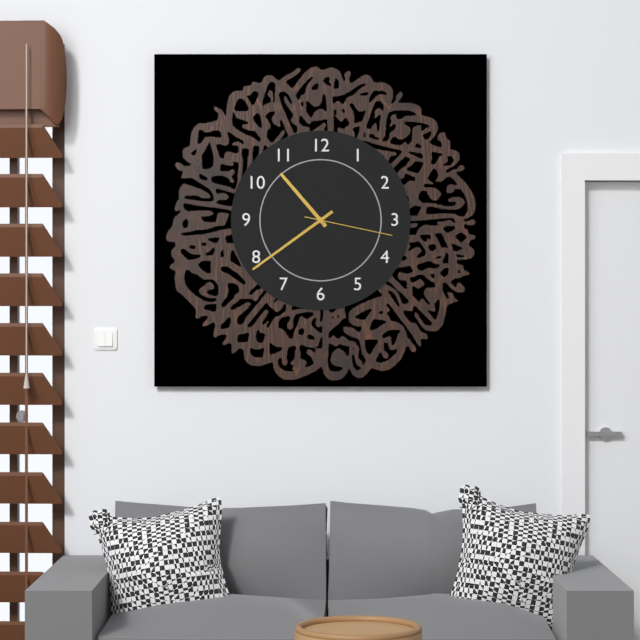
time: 10:39:17
